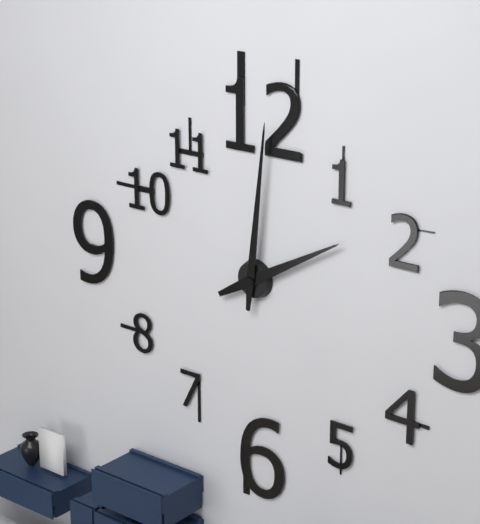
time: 2:01
